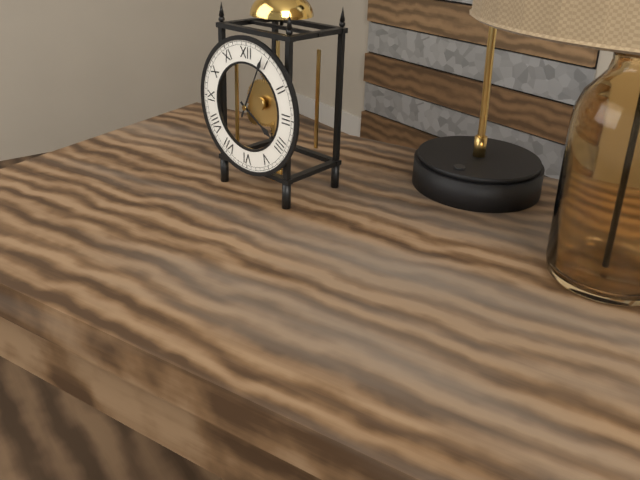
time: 4:04
